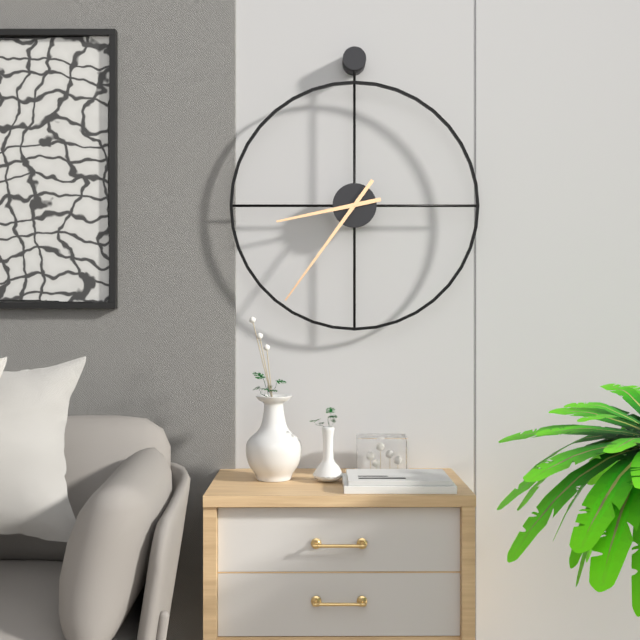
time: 8:36
